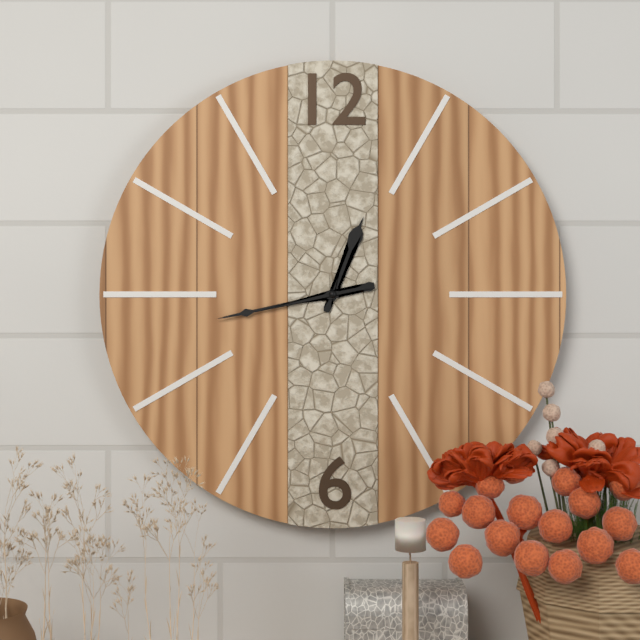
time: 12:43
